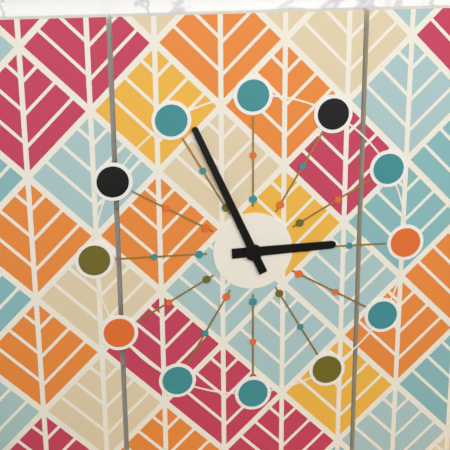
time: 2:56
